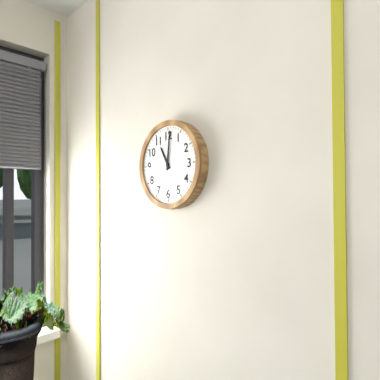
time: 11:01
